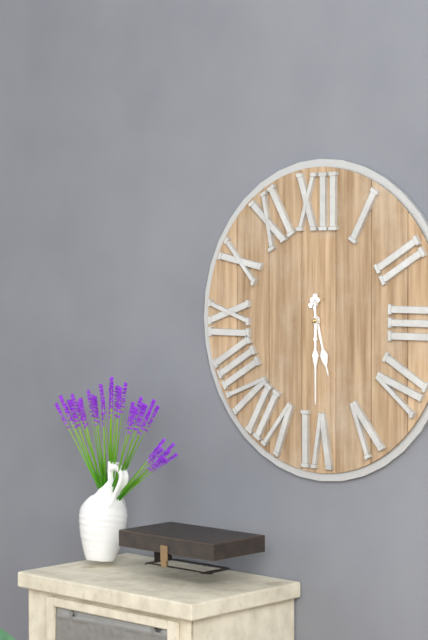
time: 5:30
